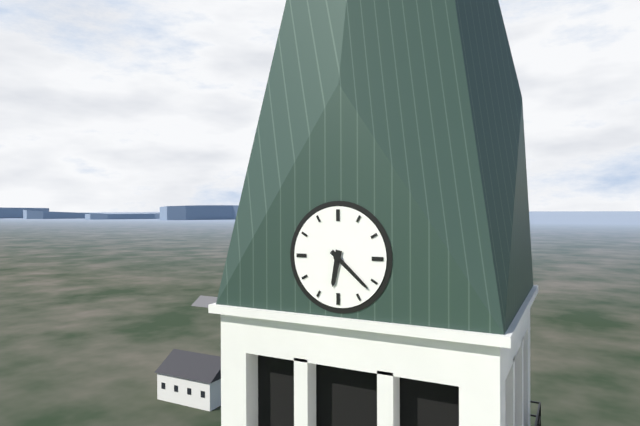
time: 6:22
